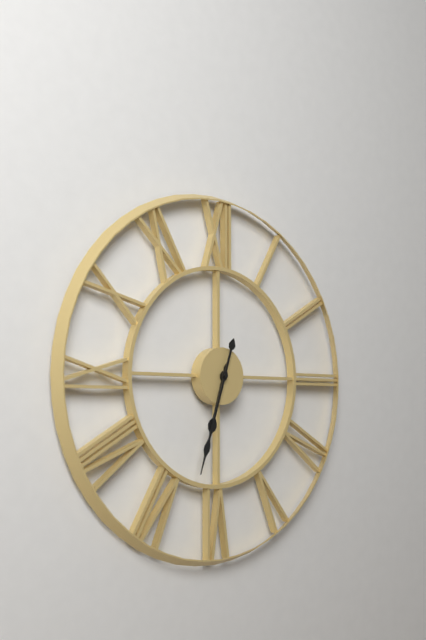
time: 6:33
